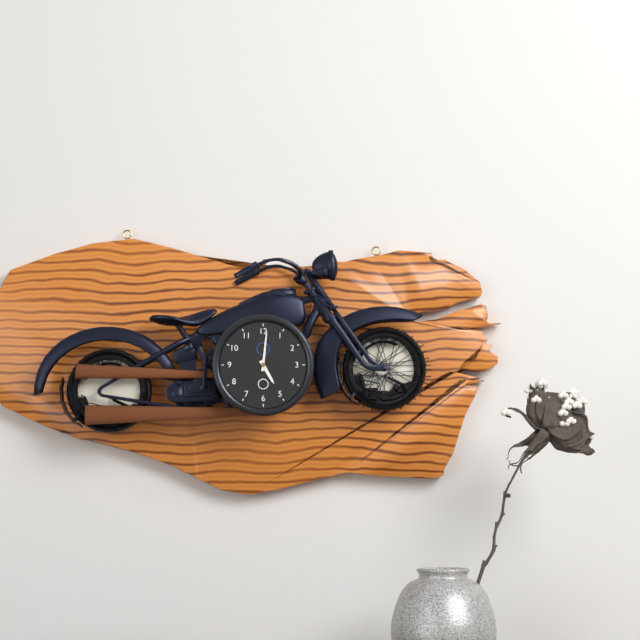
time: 5:01
